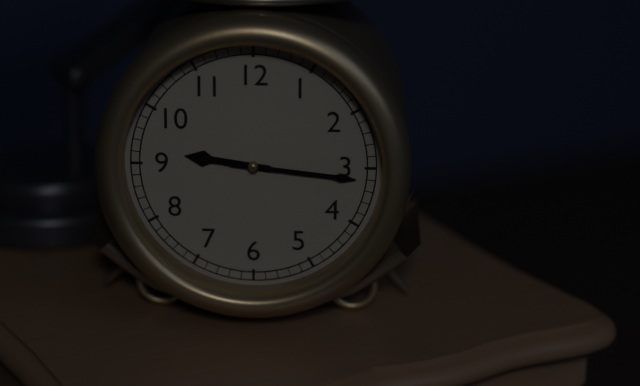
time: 9:16
